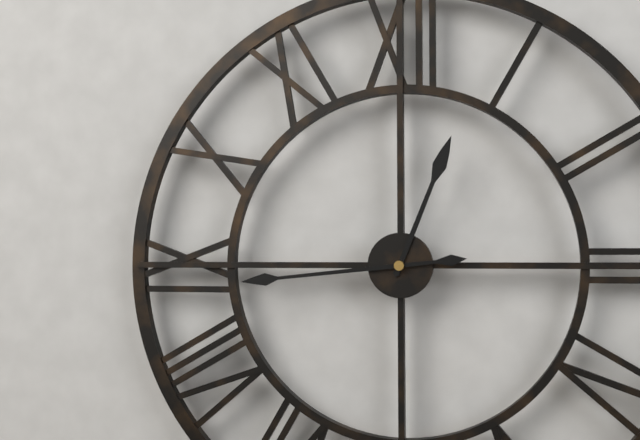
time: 12:44
